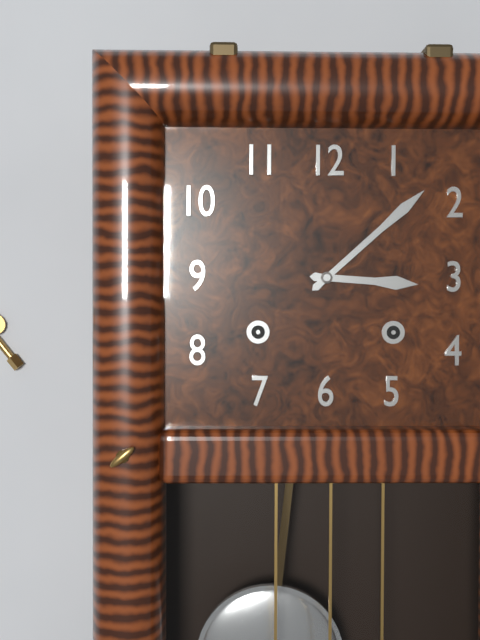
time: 3:08
